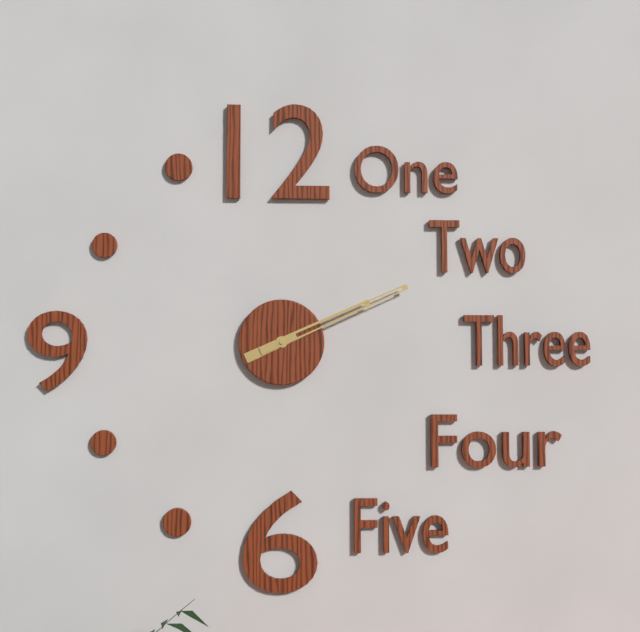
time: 2:11
